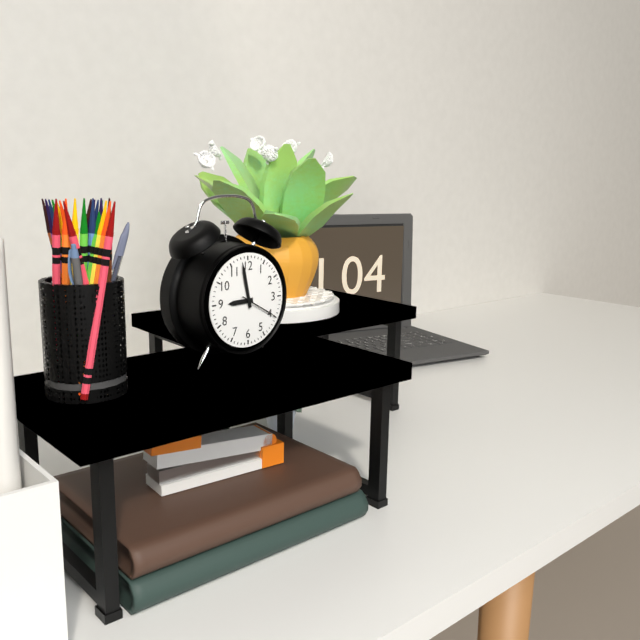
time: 8:58
